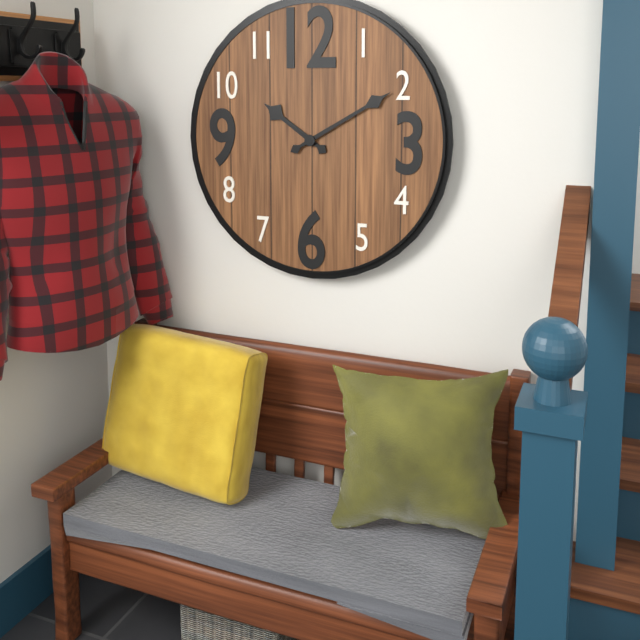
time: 10:10
